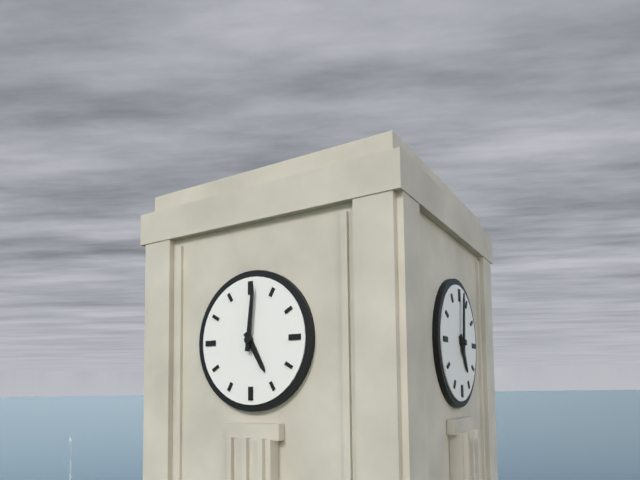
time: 5:01
